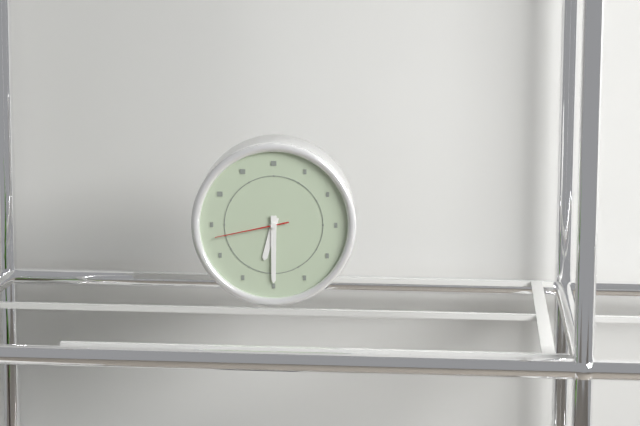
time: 6:30:43
